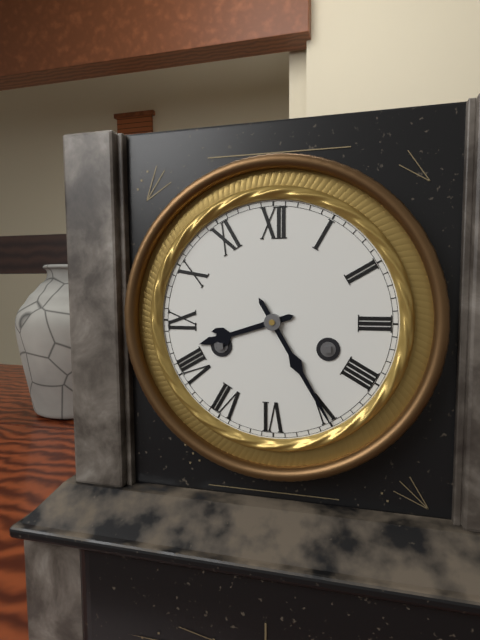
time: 8:25
